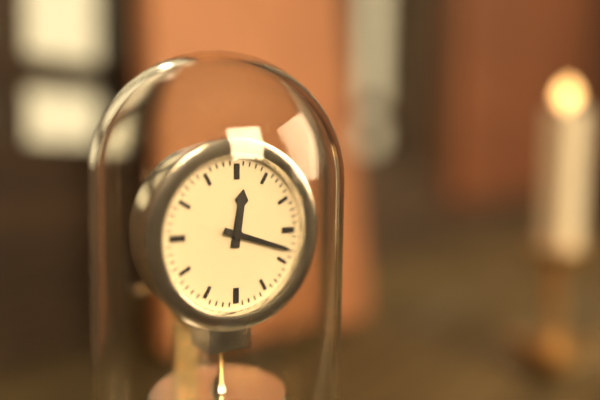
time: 12:18
